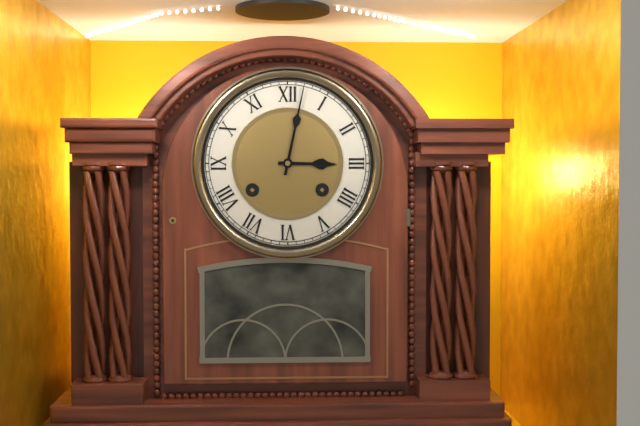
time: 3:02
